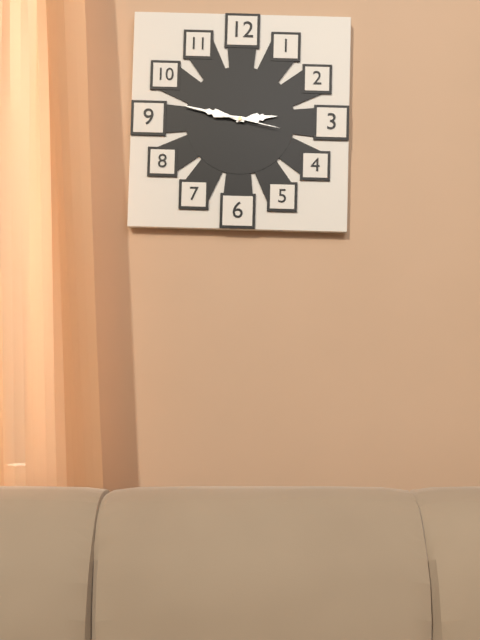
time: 2:47:17
